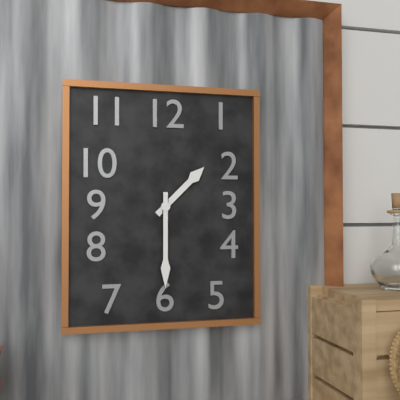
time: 1:30
